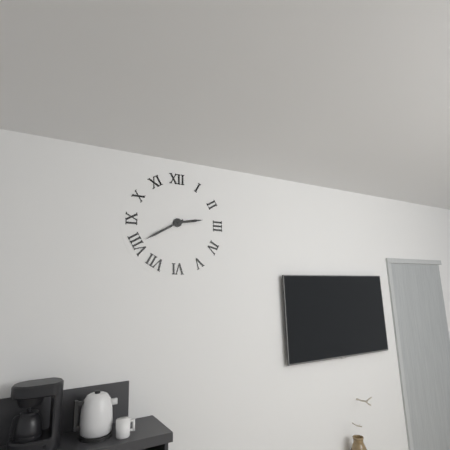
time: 2:40
